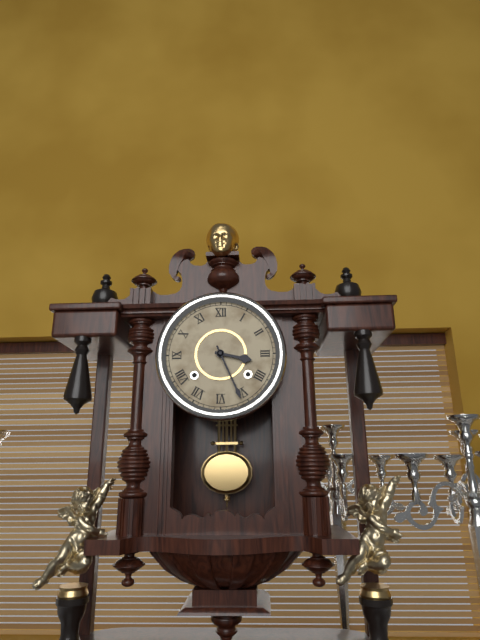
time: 3:26
